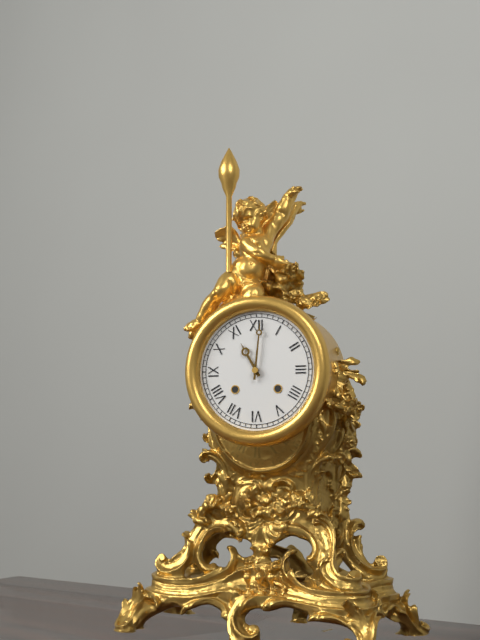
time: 11:01
